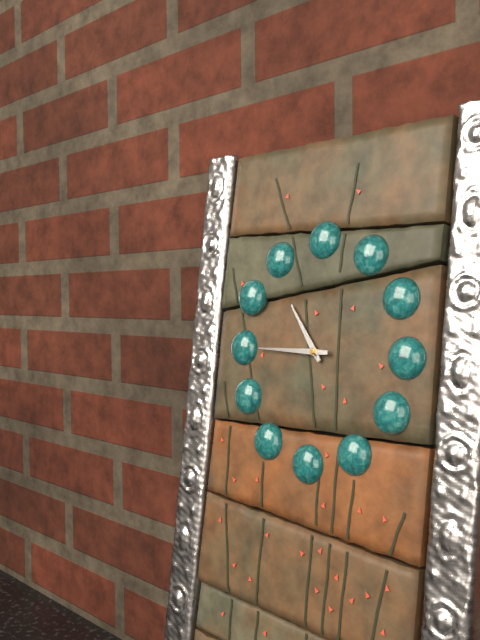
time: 10:45
